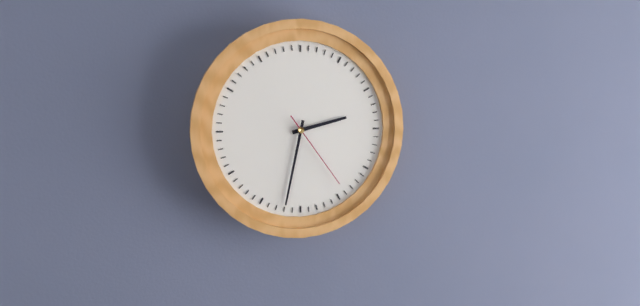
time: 2:32:24
